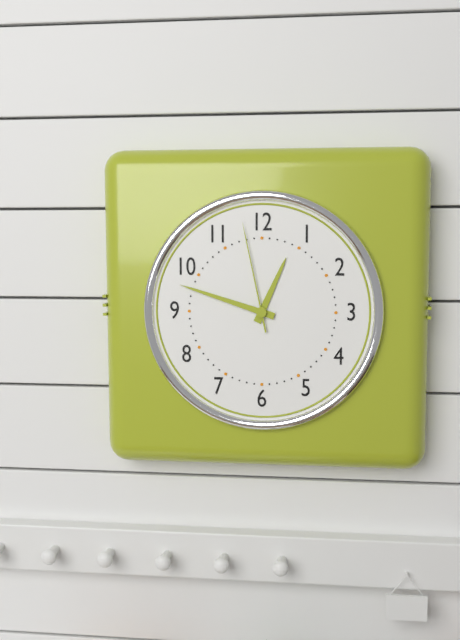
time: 12:48:58
